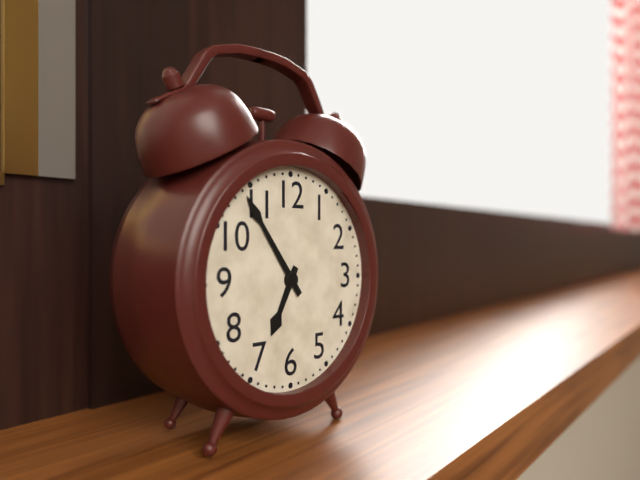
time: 6:54
